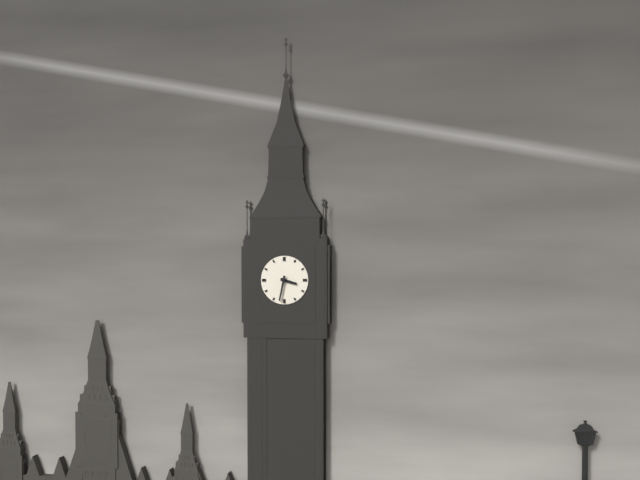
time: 3:32
